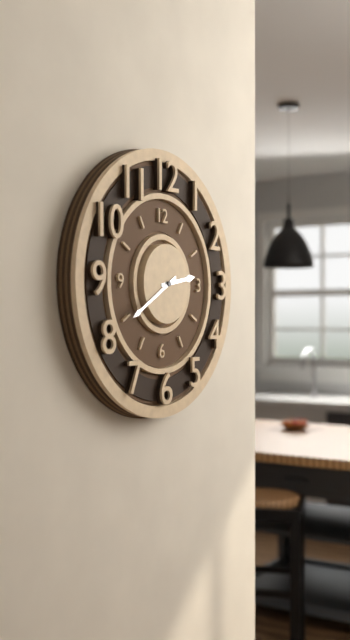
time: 2:40
